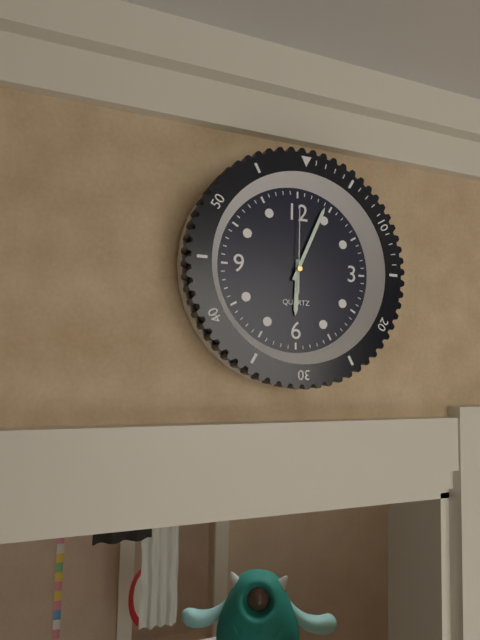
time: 6:04:00
